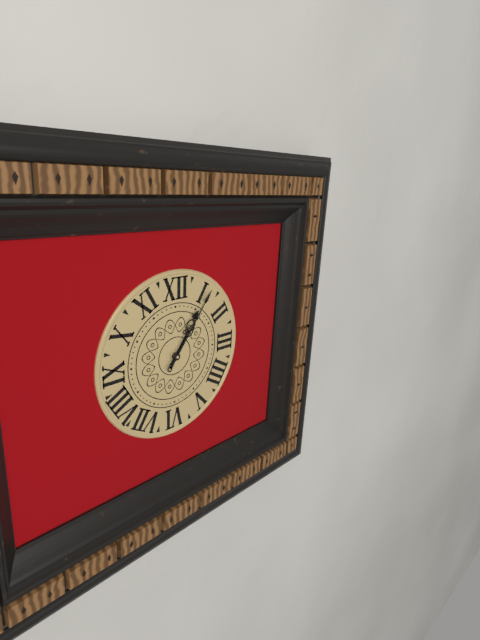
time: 1:06
